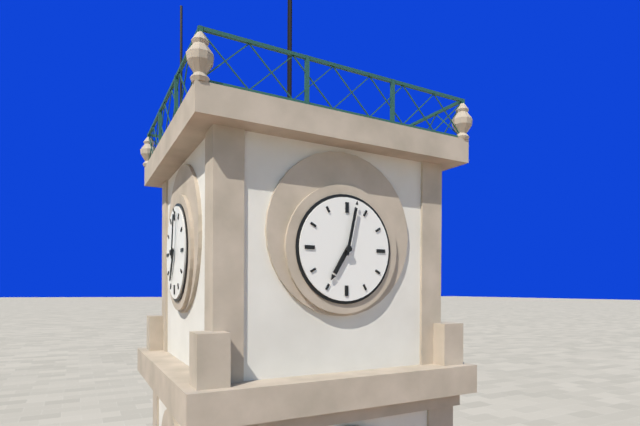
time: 7:02
